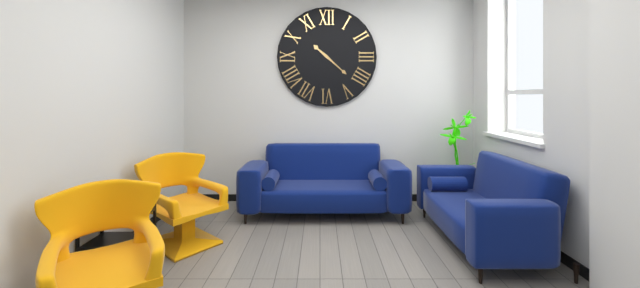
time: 10:22
